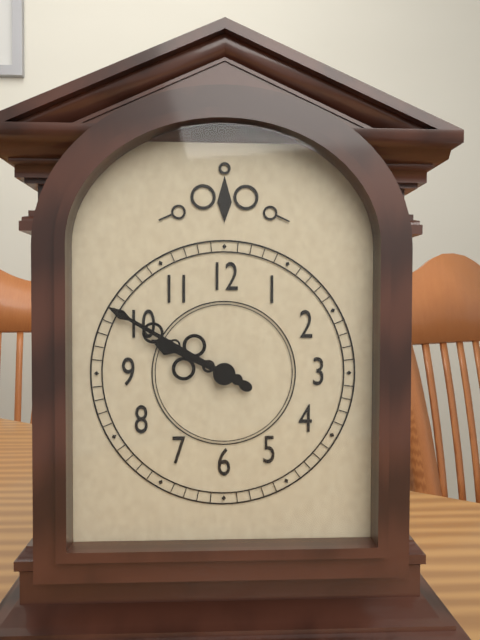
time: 9:50
